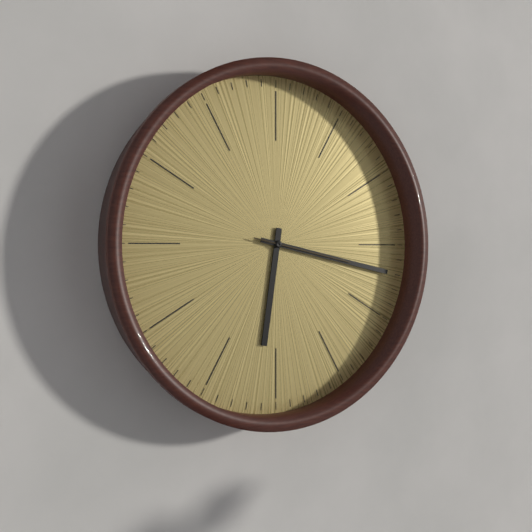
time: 6:17:17
